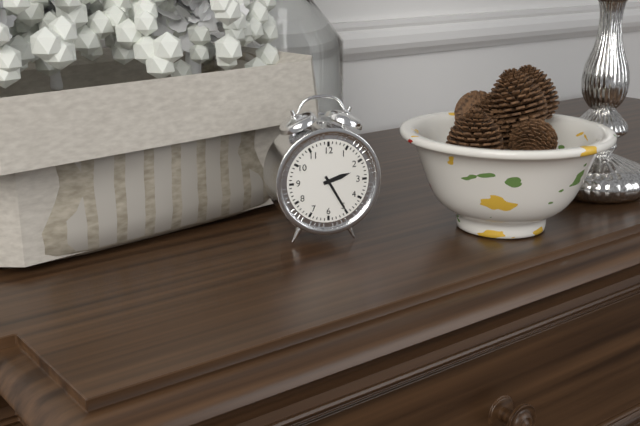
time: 2:25
